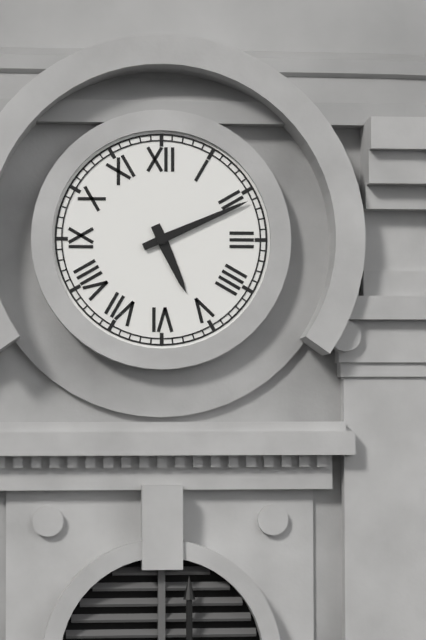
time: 5:11
